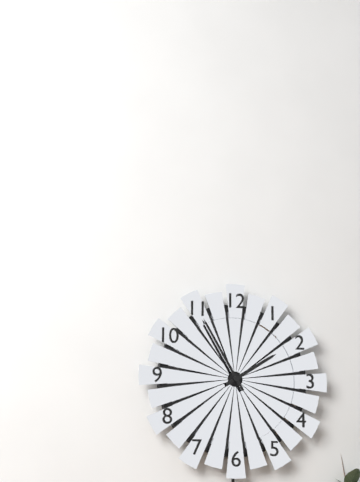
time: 1:55
